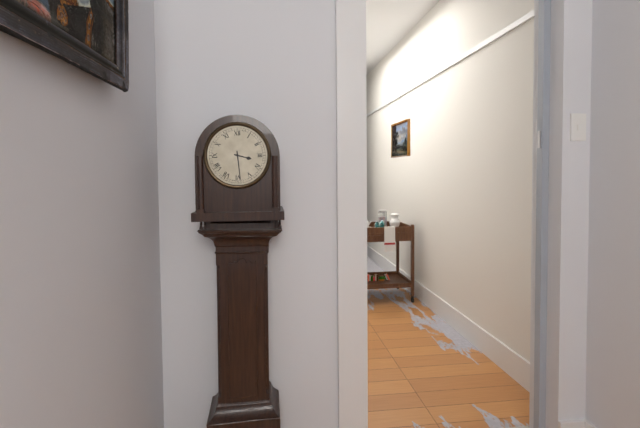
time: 3:29
